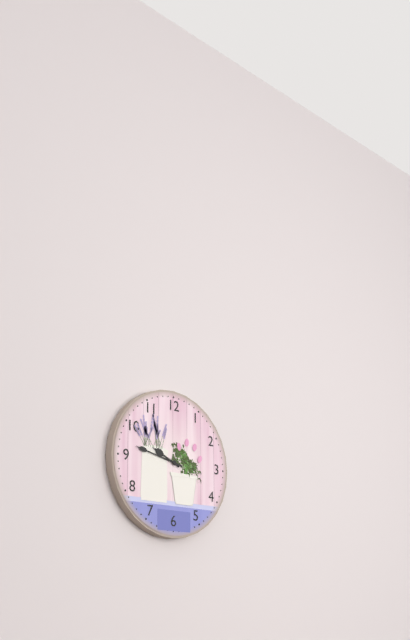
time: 9:47
